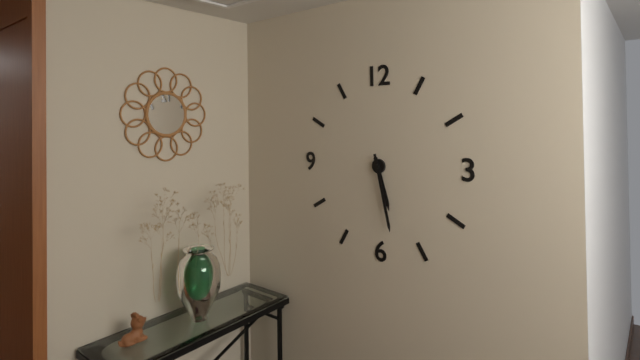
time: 5:28
